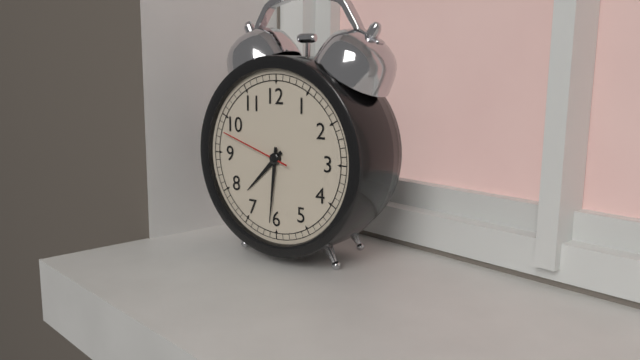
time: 7:31:48
